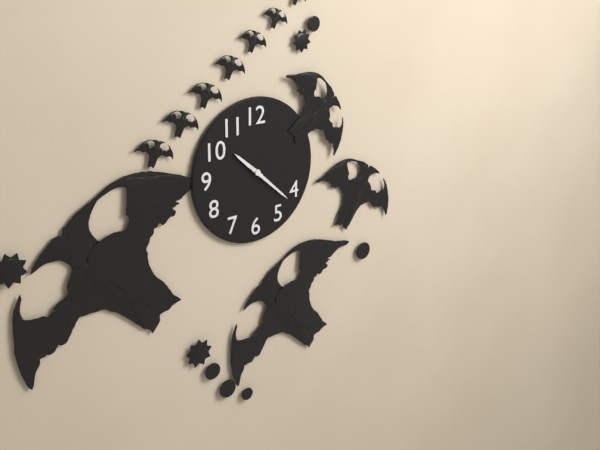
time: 10:22
